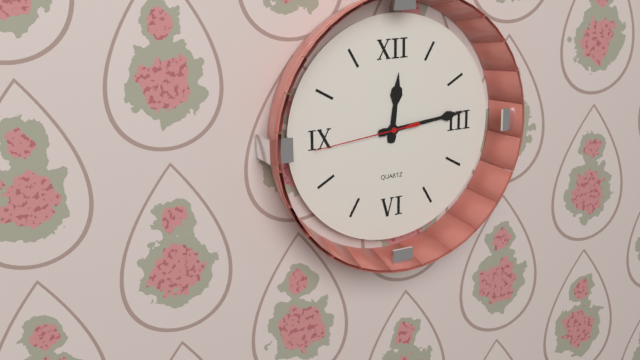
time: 12:14:44
